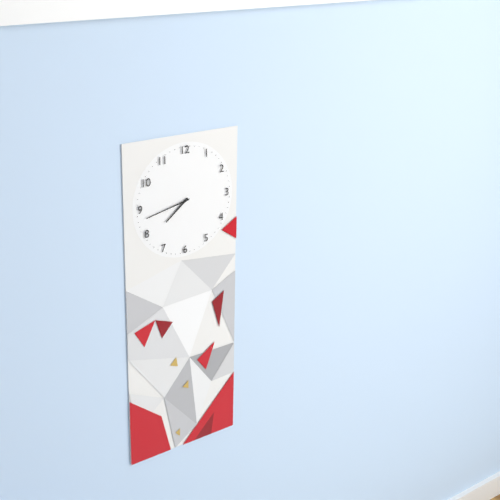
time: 7:43
